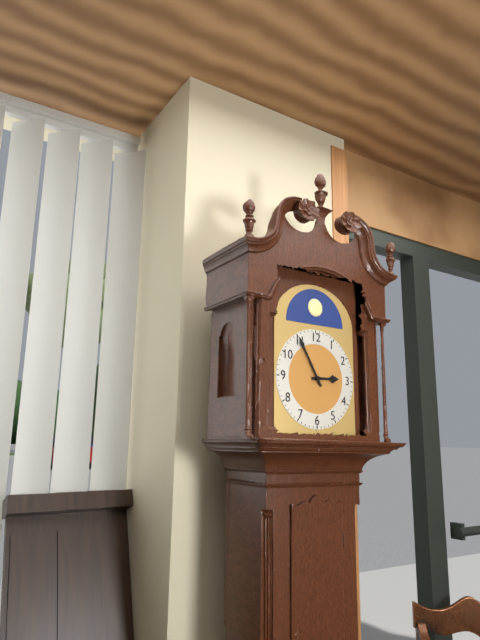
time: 2:55
